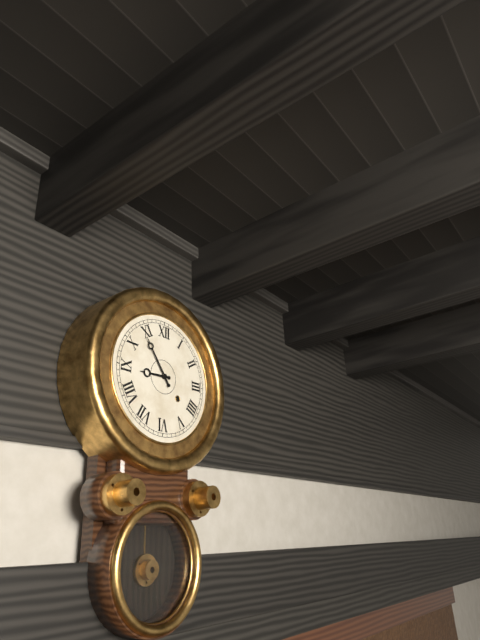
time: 8:54
